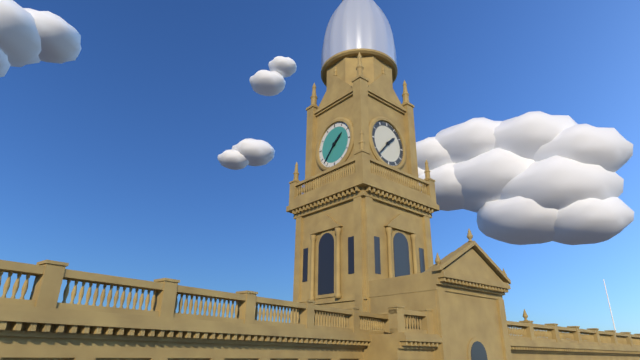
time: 1:37
